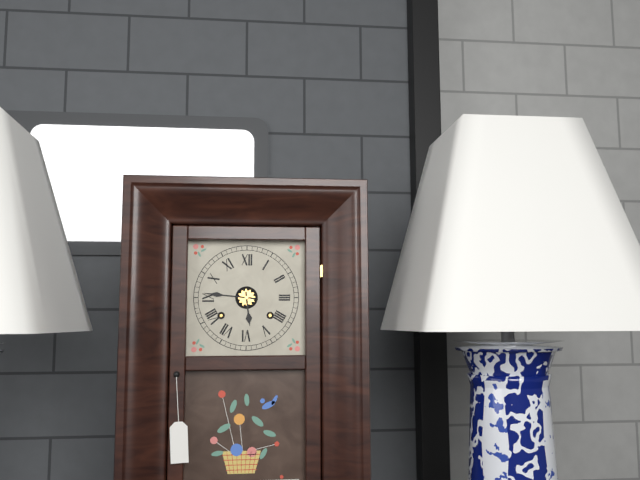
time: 5:46
